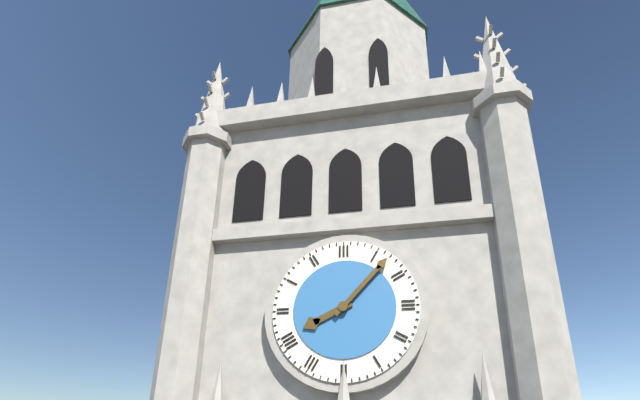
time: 8:07
